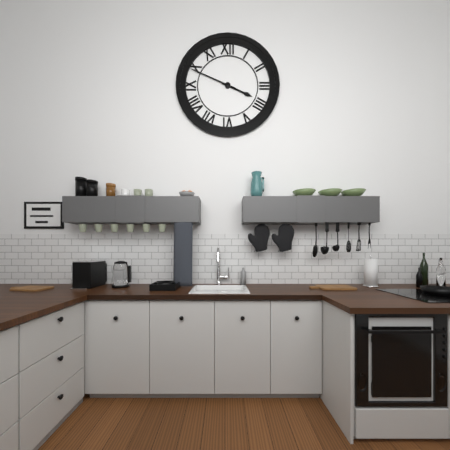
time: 3:49
